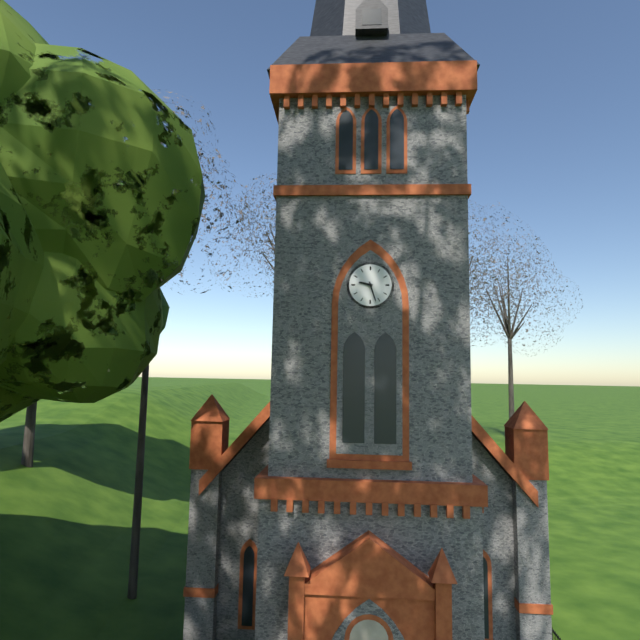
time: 9:27
